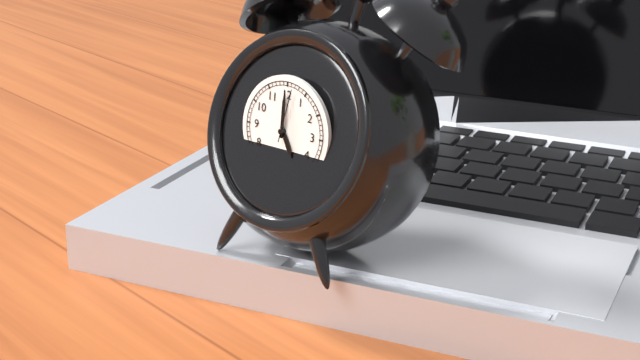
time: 5:00:02
